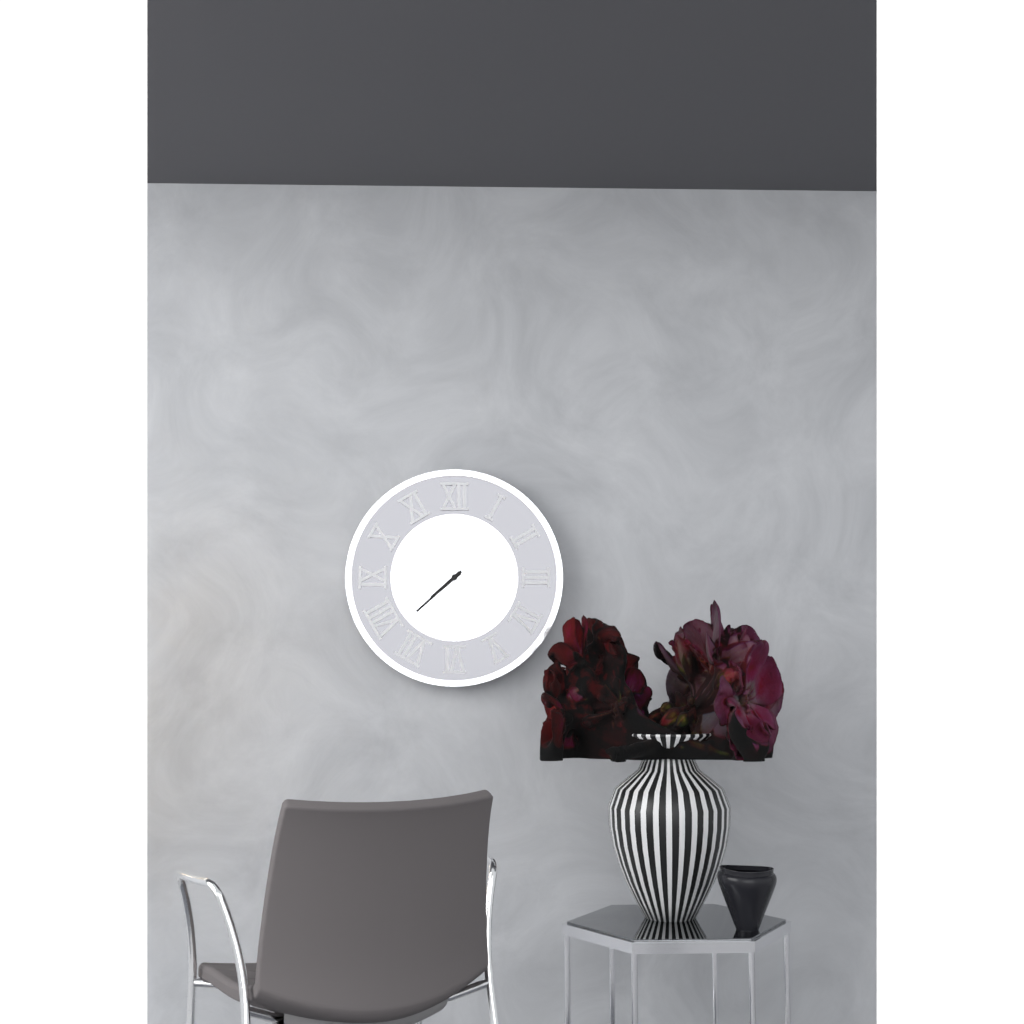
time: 7:38
